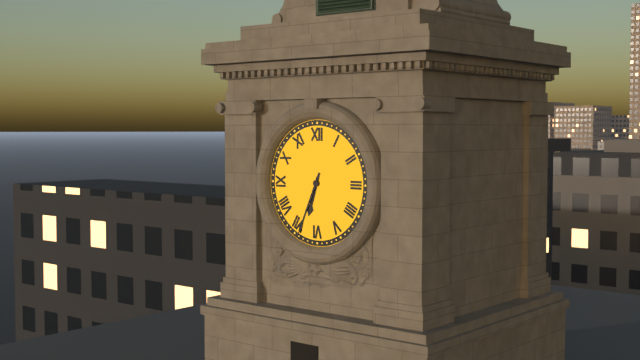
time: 6:34
